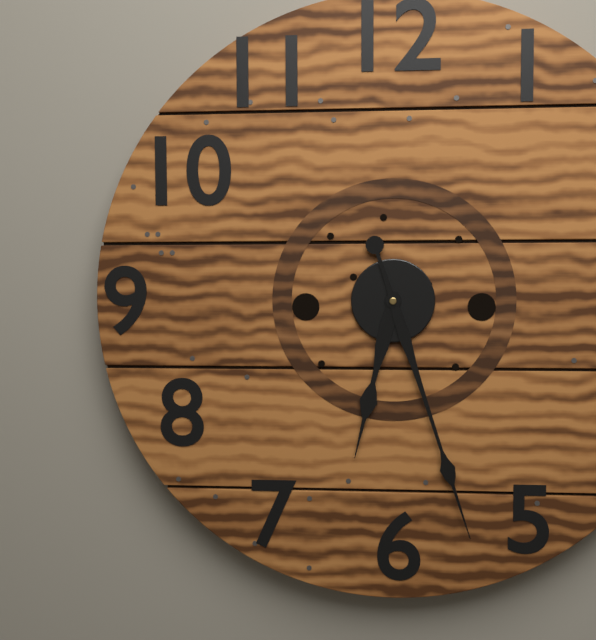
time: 6:27
